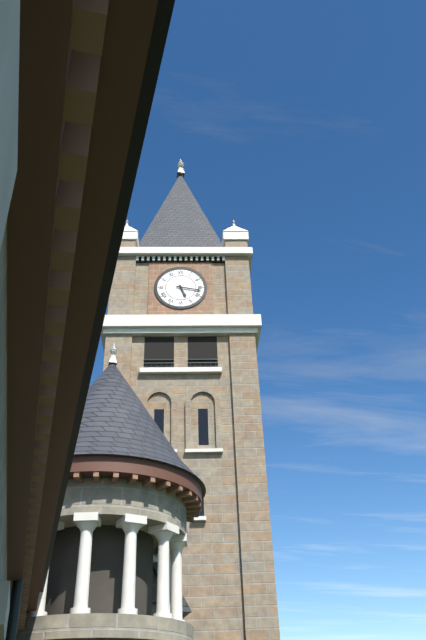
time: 5:17
